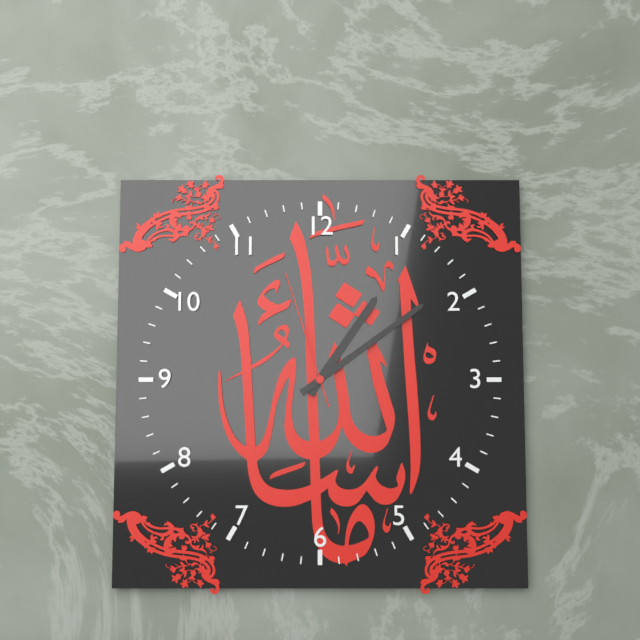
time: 1:09:57
